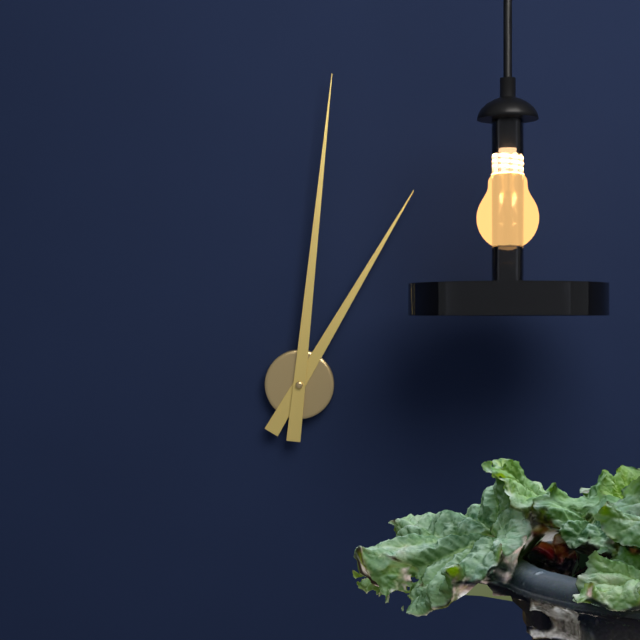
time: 1:01
